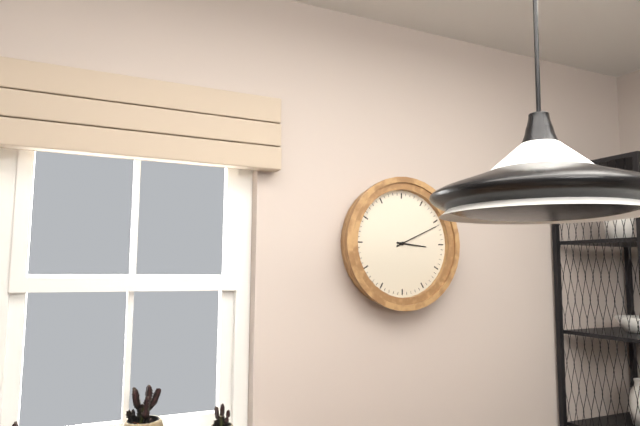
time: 3:11
